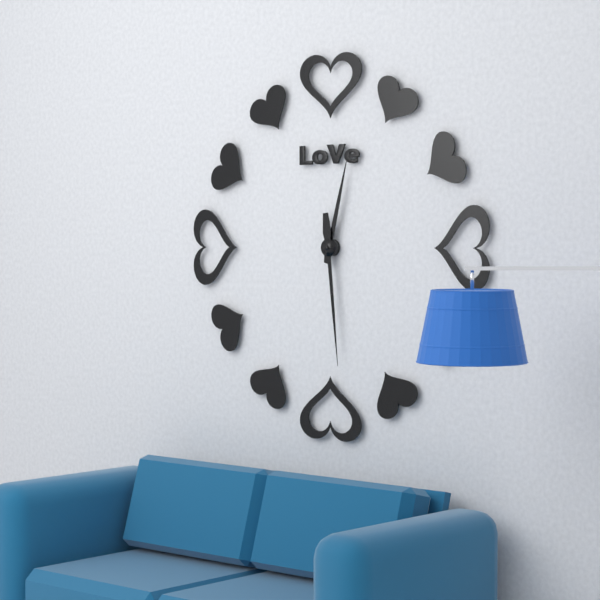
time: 12:29
